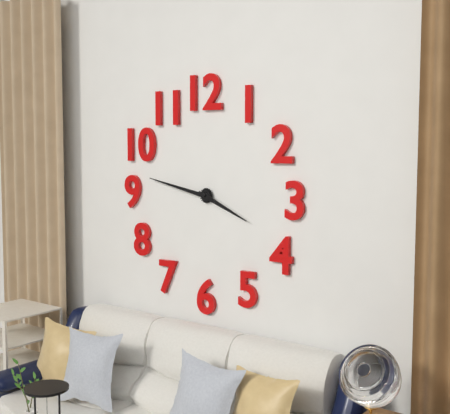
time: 3:47
